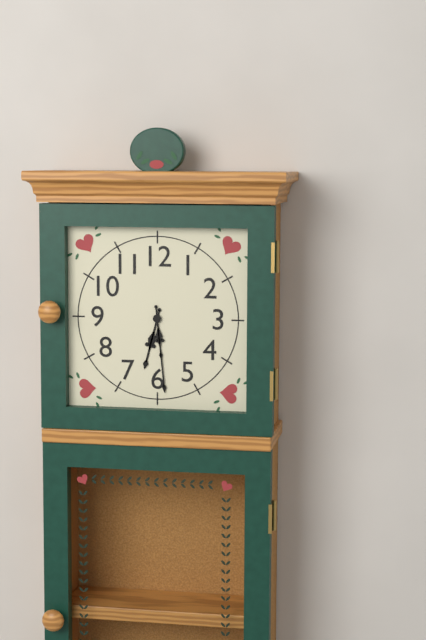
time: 6:29
